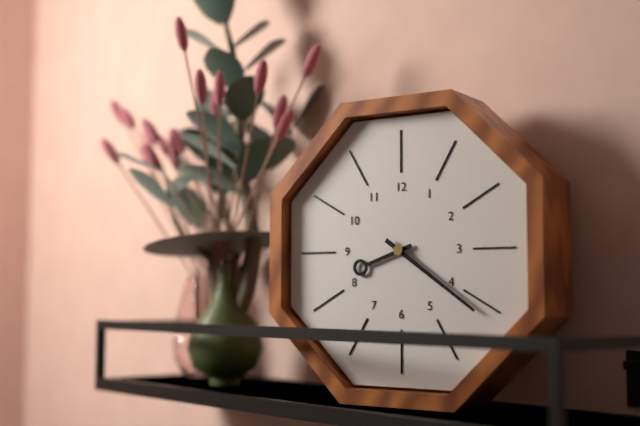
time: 8:21
